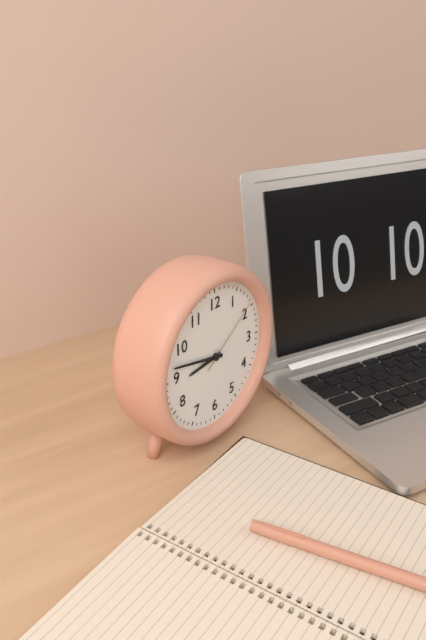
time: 8:47:09
